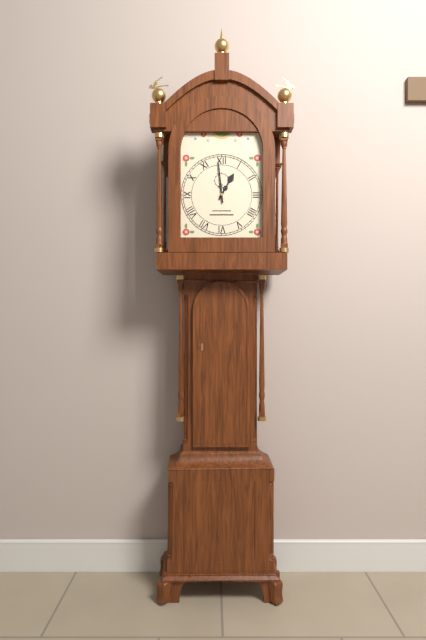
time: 12:59
